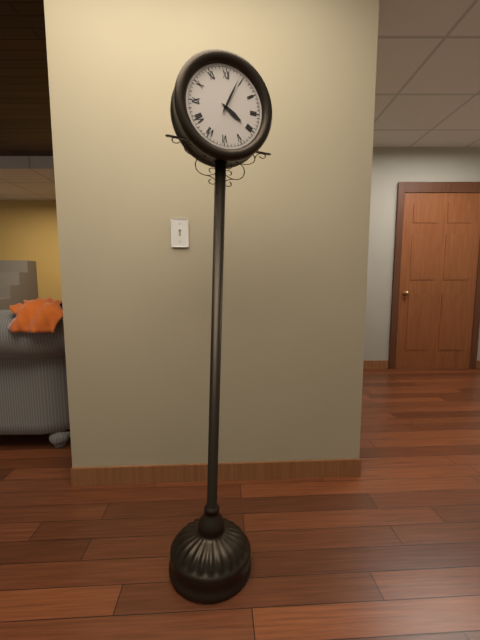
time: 4:04
